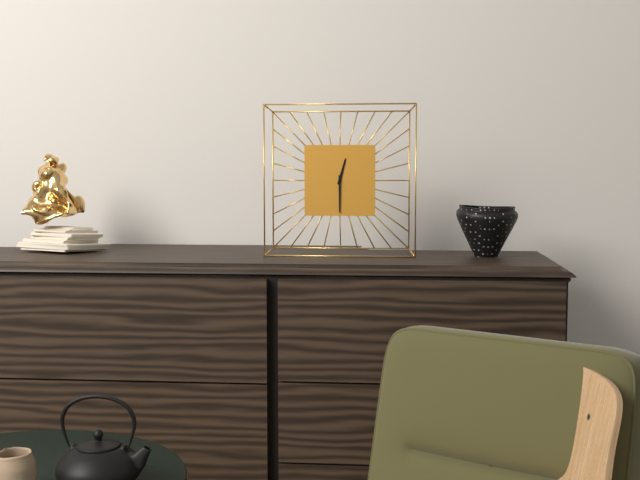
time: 12:30
